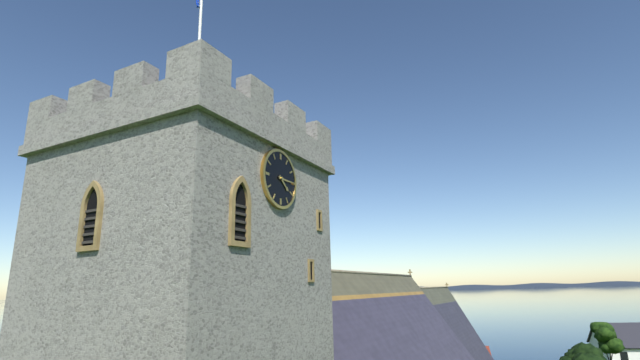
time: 4:15
